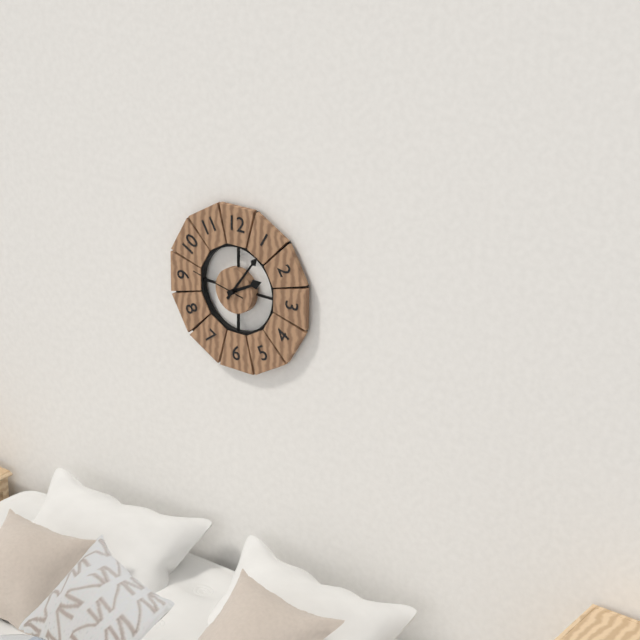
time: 2:06:47
